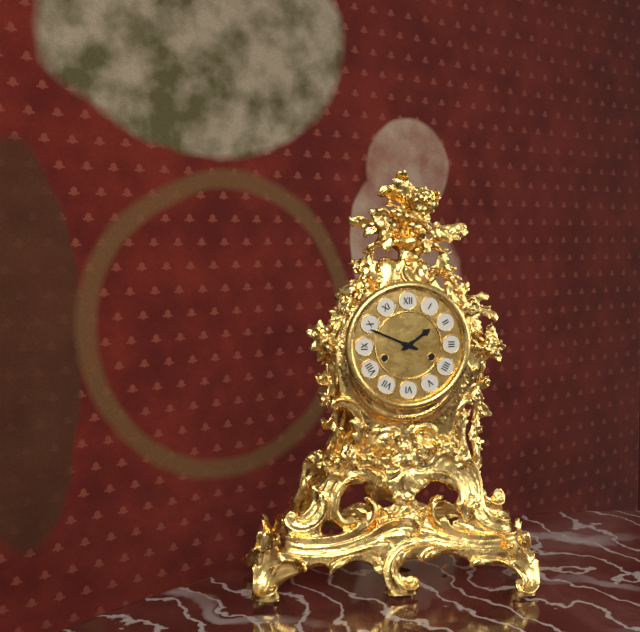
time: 1:49
